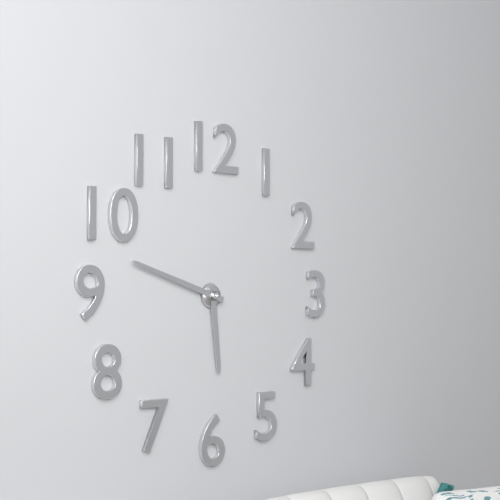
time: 5:48
